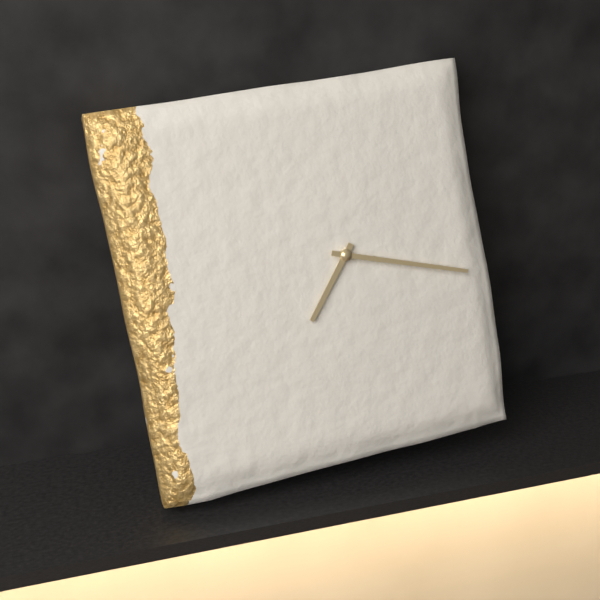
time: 7:18
